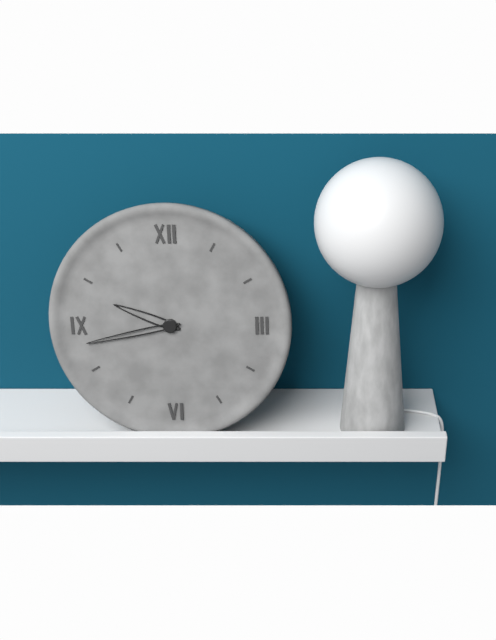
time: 9:43
